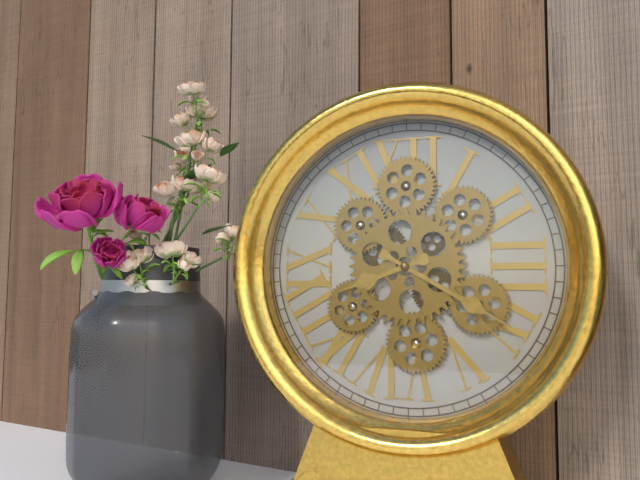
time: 8:20
